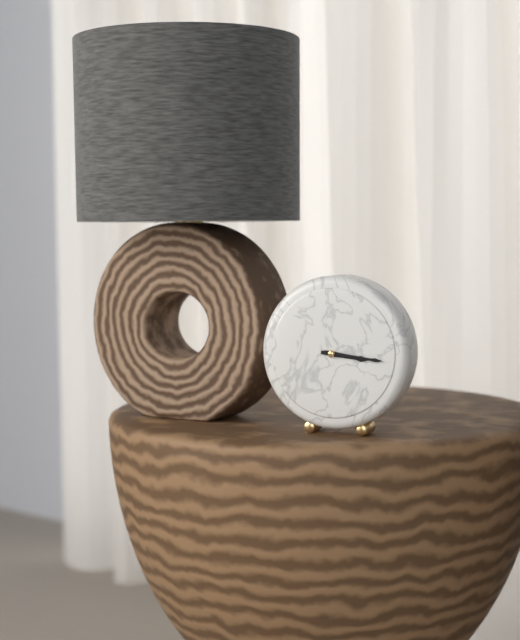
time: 3:16
